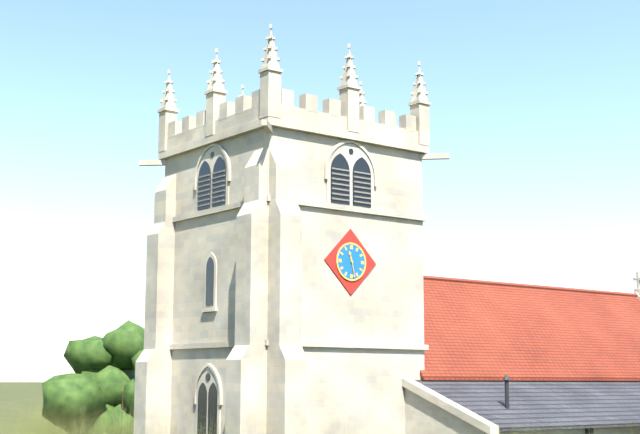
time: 11:28
